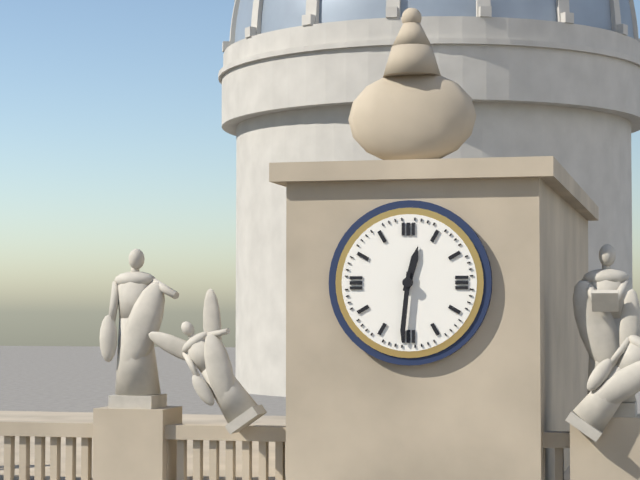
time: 12:31
